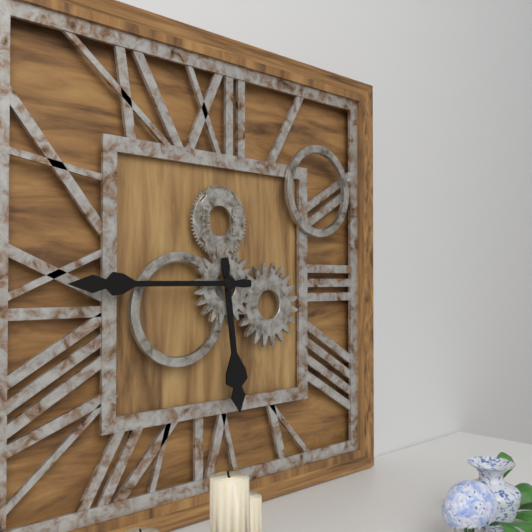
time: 5:45
